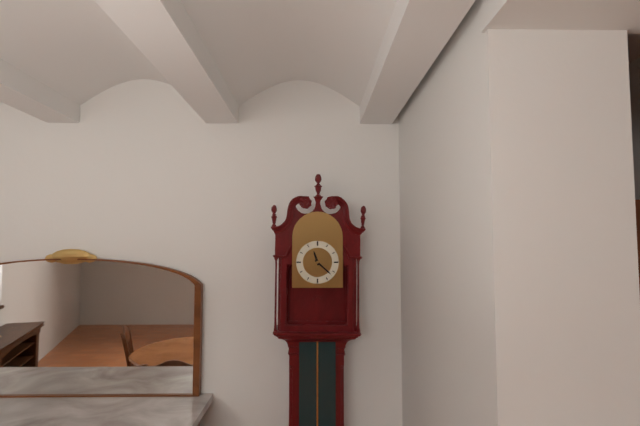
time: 11:22
